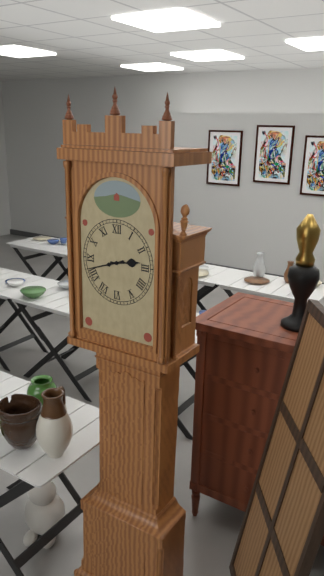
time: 2:42
